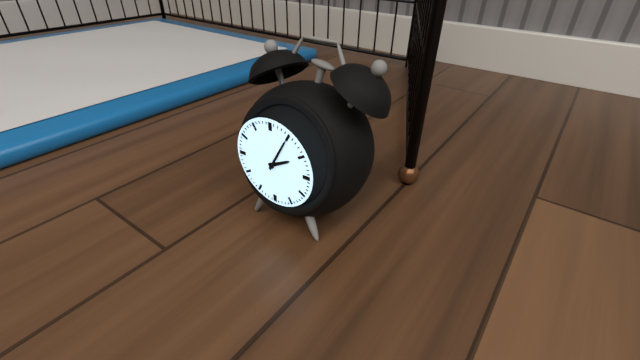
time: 2:05
